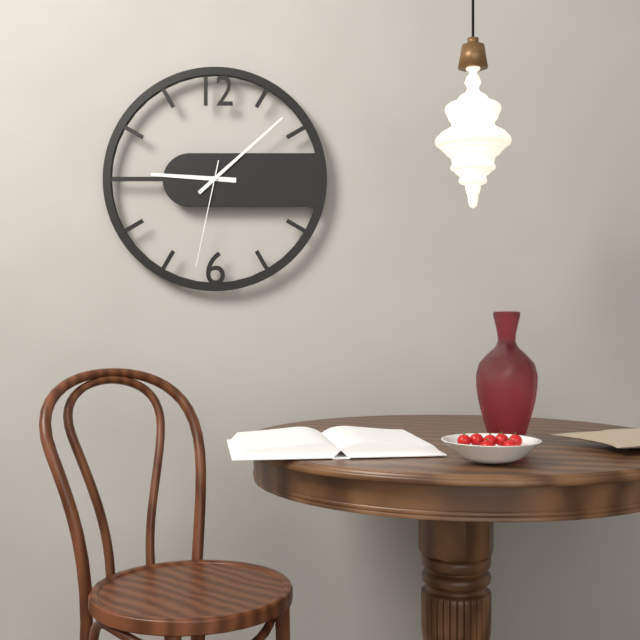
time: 9:08:32
